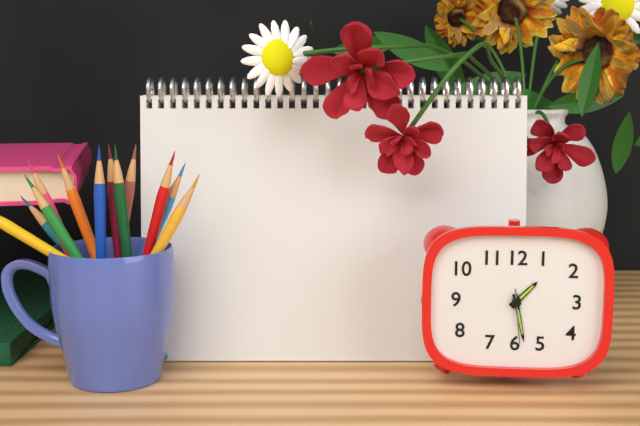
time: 1:28:29
